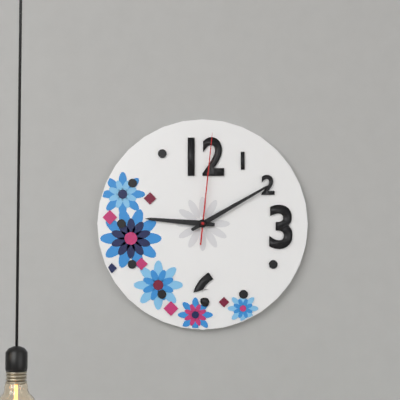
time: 9:10:01
